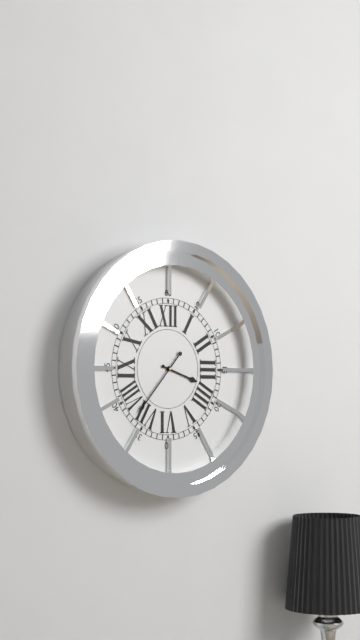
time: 3:37
